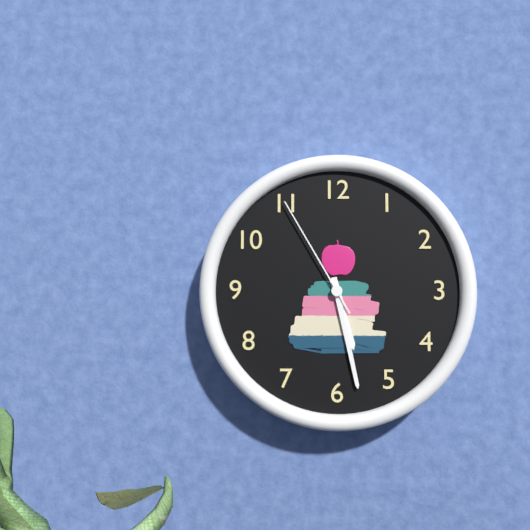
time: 5:28:55
